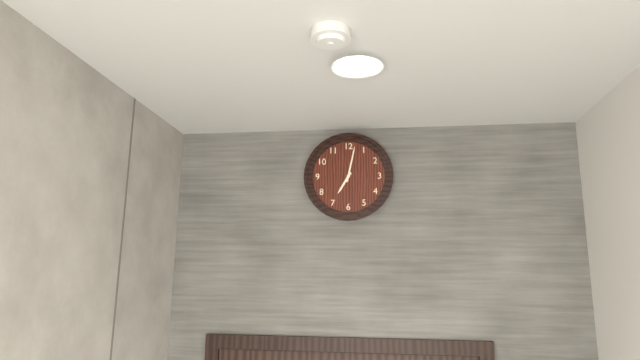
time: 7:02
